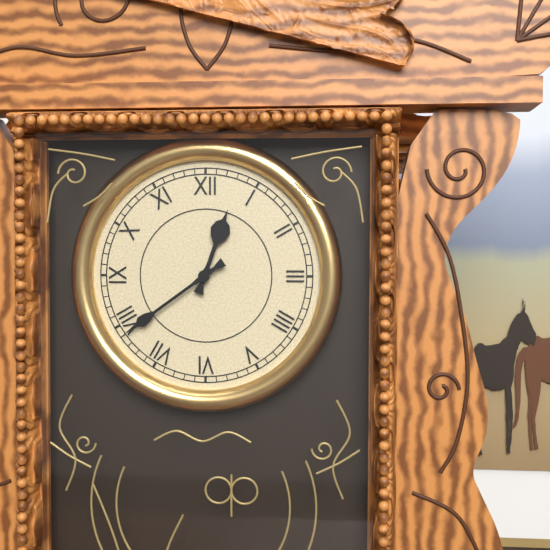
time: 12:39
